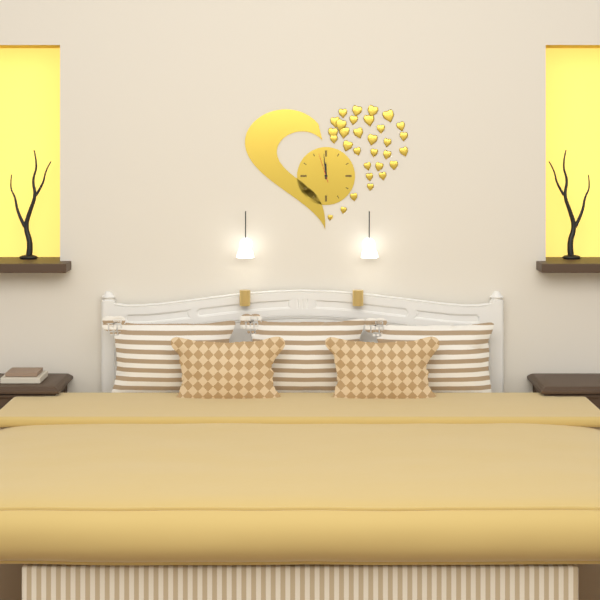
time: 11:59
